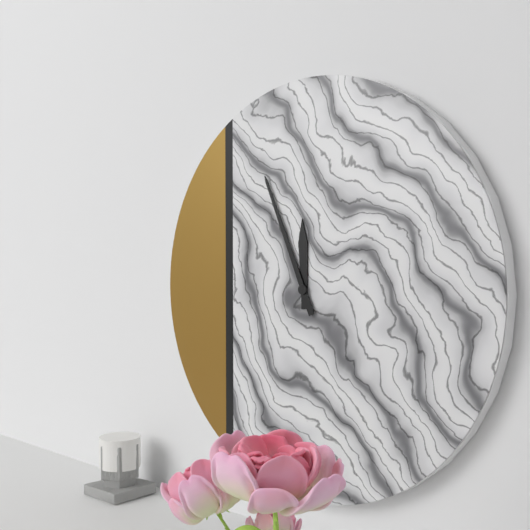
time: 11:56
